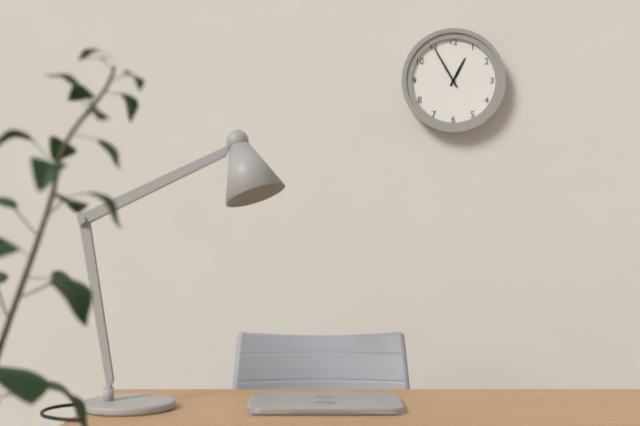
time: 12:55
